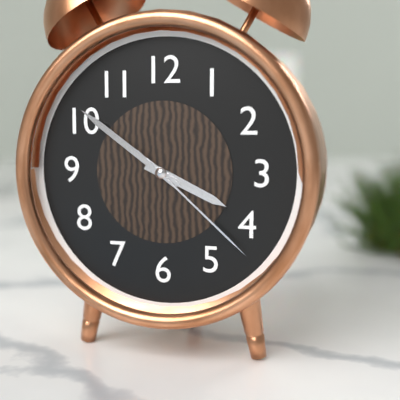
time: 3:51:22
